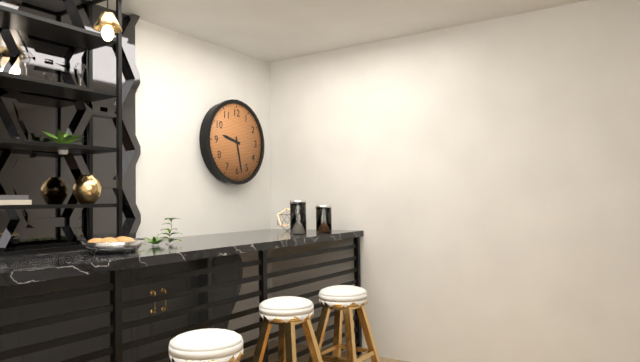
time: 9:28
